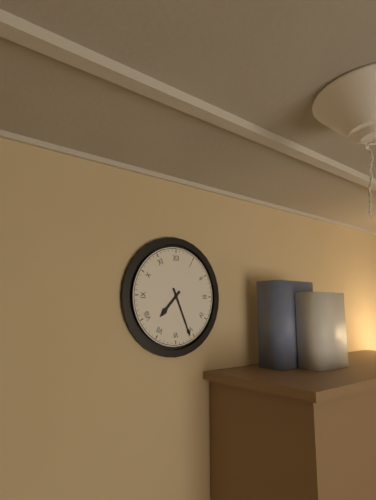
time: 7:26
